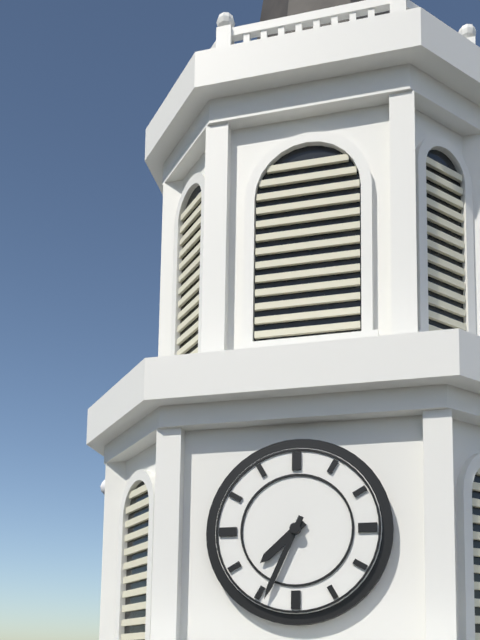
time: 7:34
